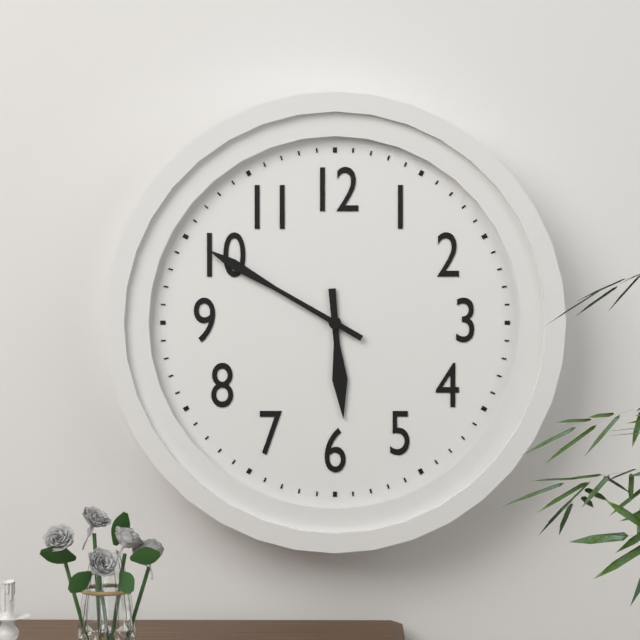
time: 5:50
